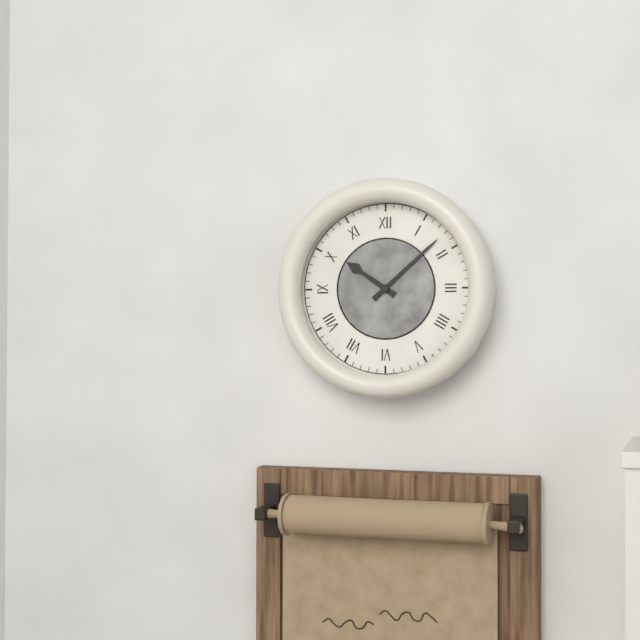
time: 10:08
